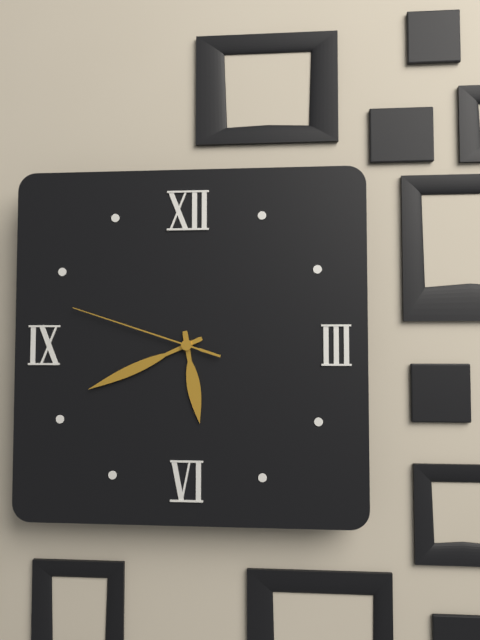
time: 5:41:48
